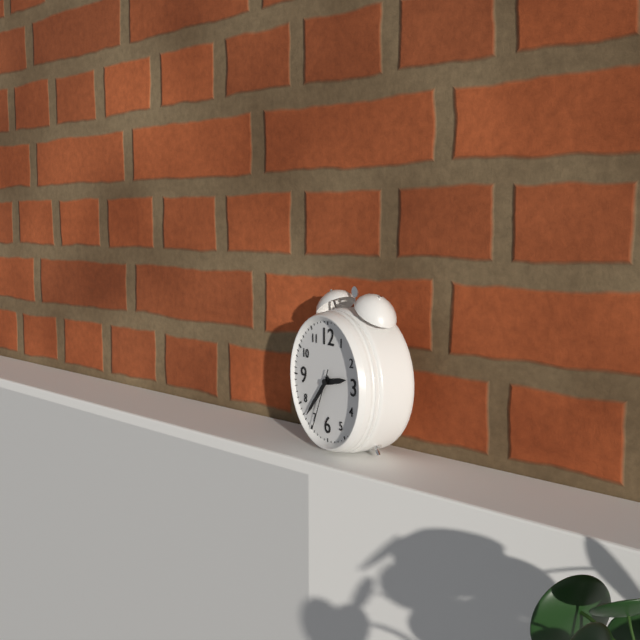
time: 2:37:34
